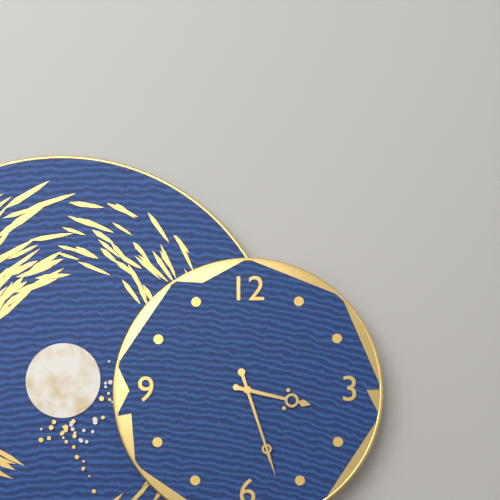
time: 3:27
